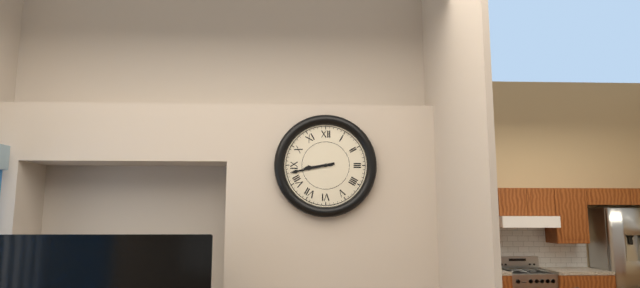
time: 8:43
